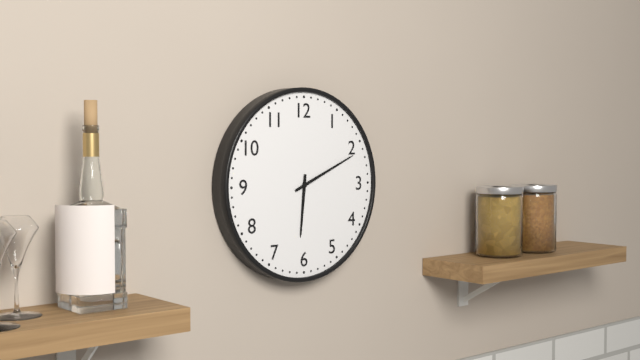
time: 6:11
